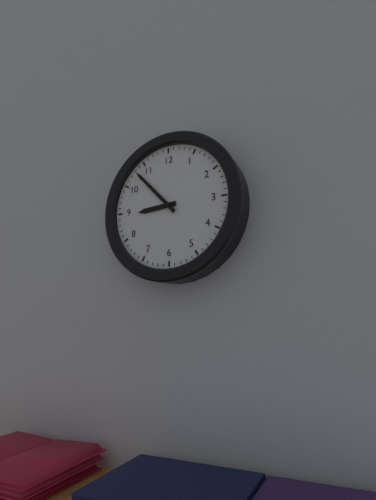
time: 8:53
